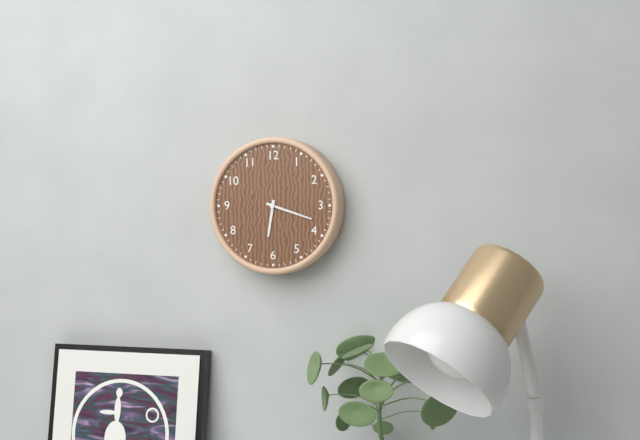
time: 6:18
